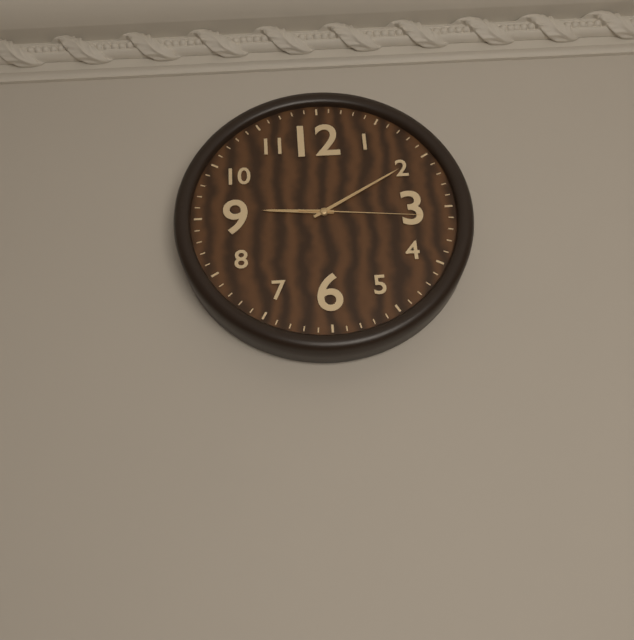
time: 9:10:16
